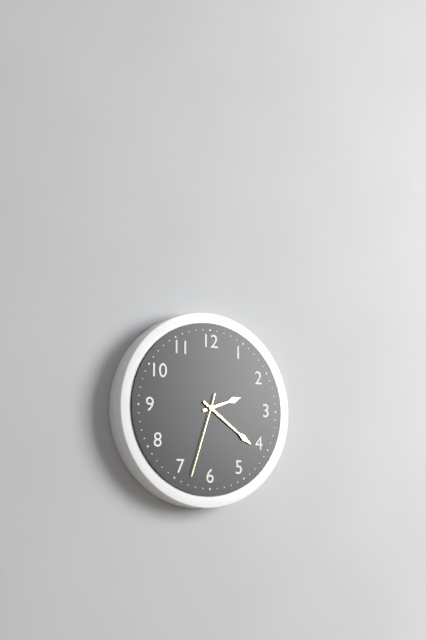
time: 2:21:33
